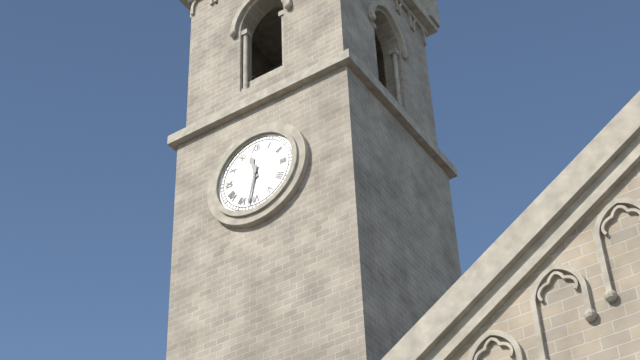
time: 11:32
